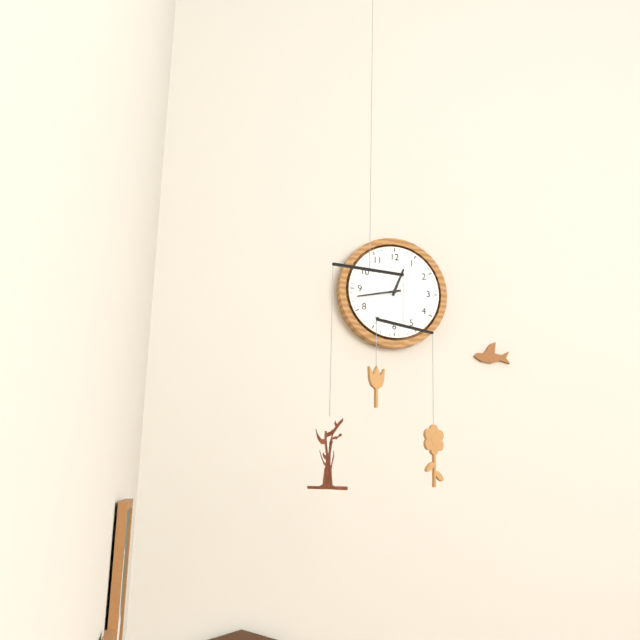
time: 12:43
